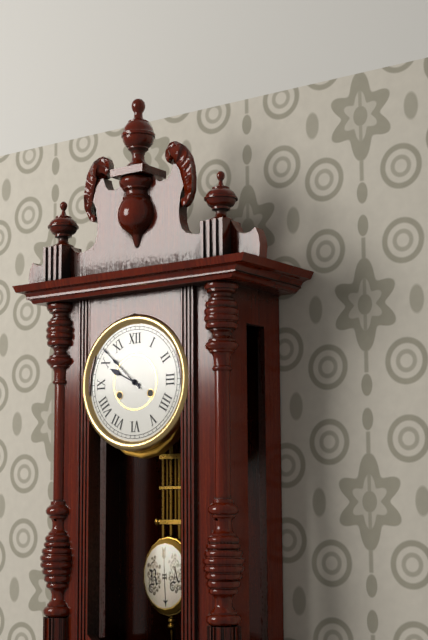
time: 9:52
